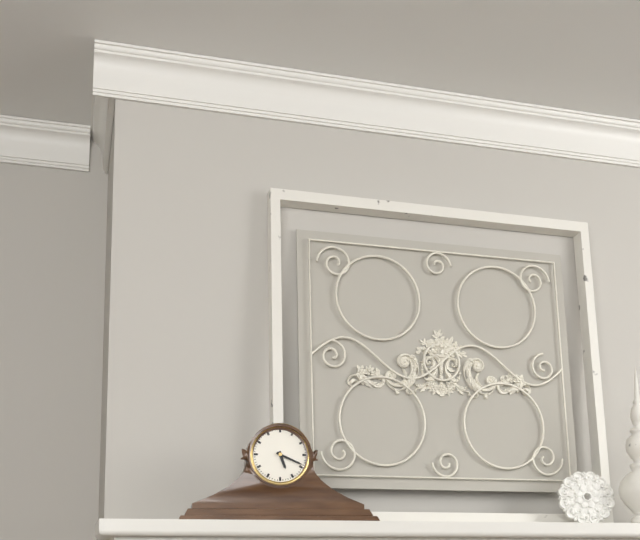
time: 5:19
